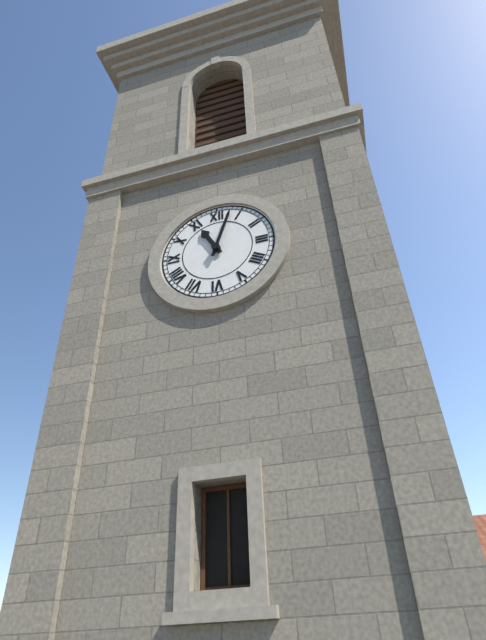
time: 11:03
